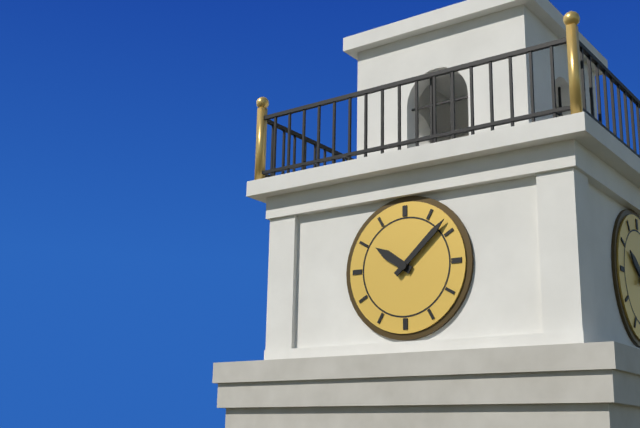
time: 10:08
